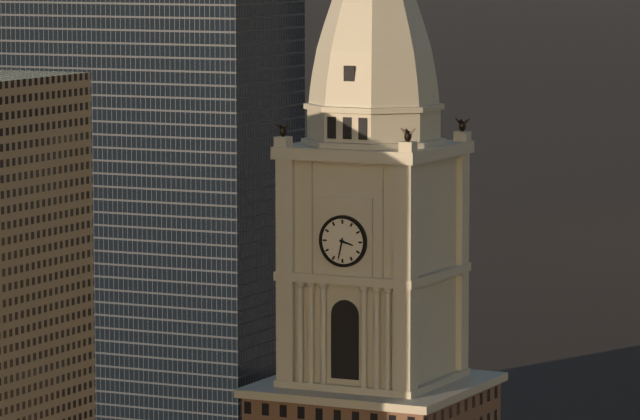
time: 3:32
